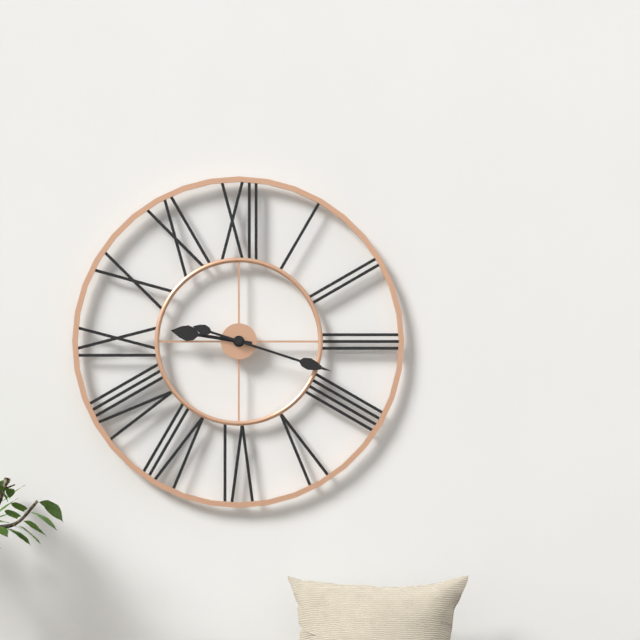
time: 9:18
